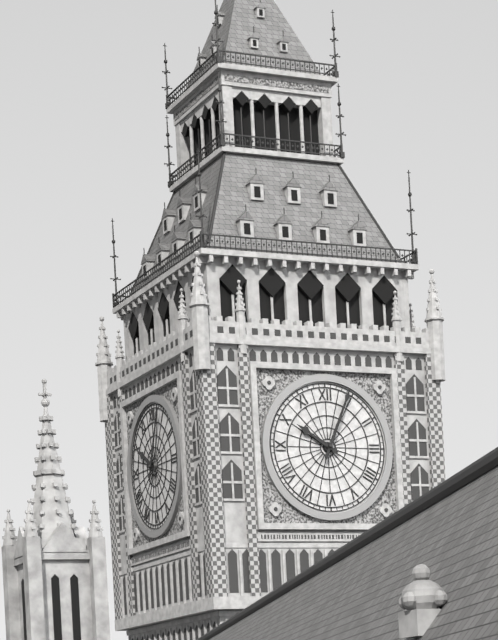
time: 10:04
